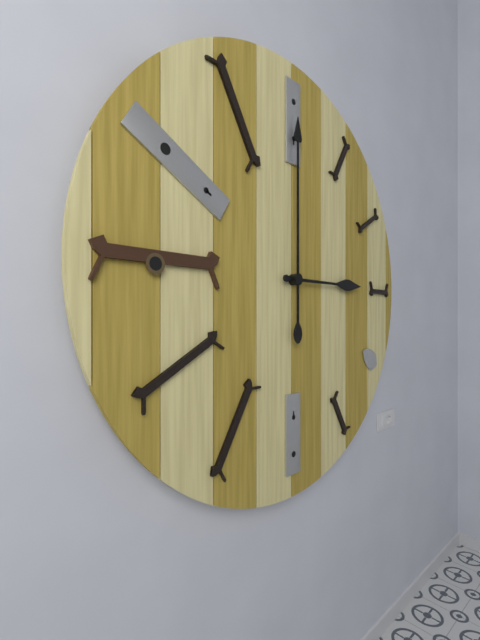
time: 3:00
